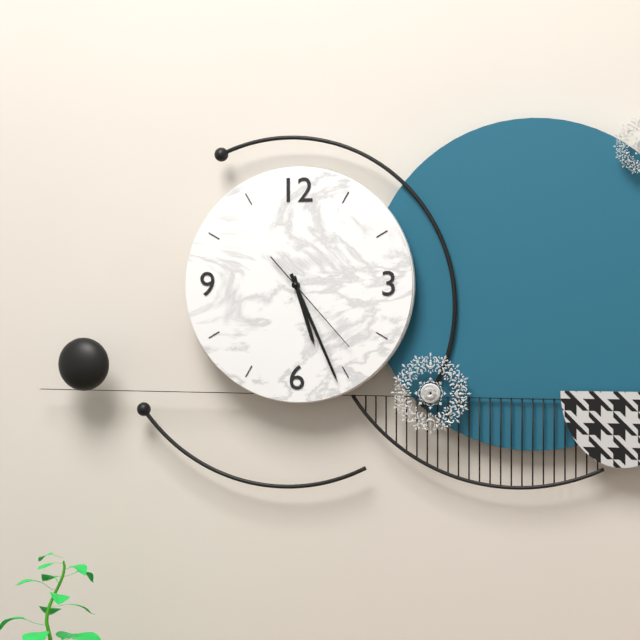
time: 5:26:23
